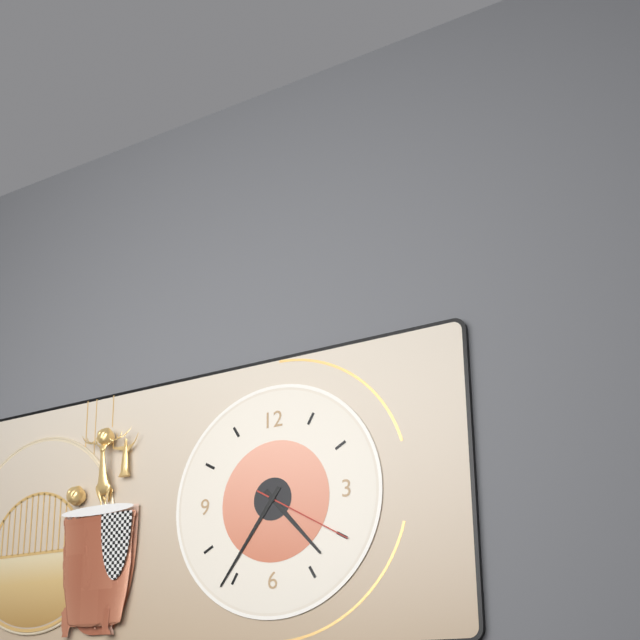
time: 4:36:20
